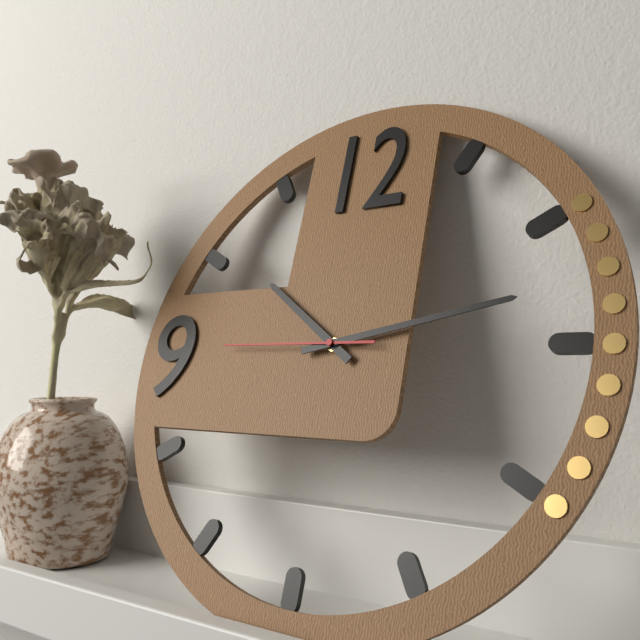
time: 10:13:45
